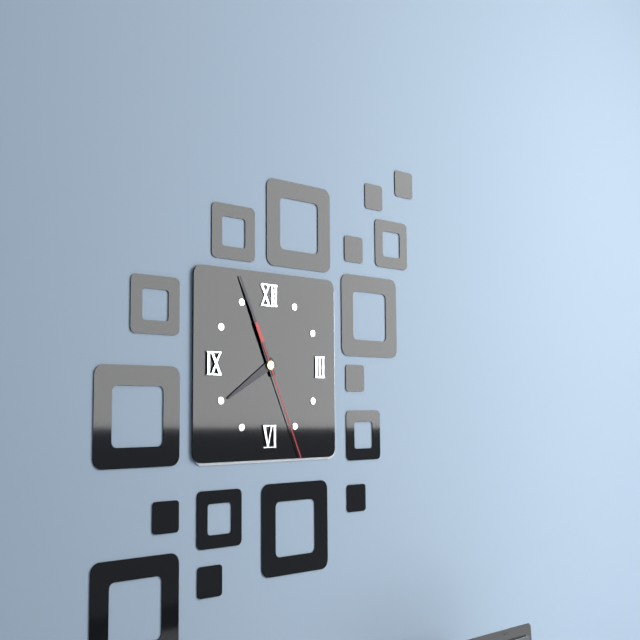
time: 7:56:26
